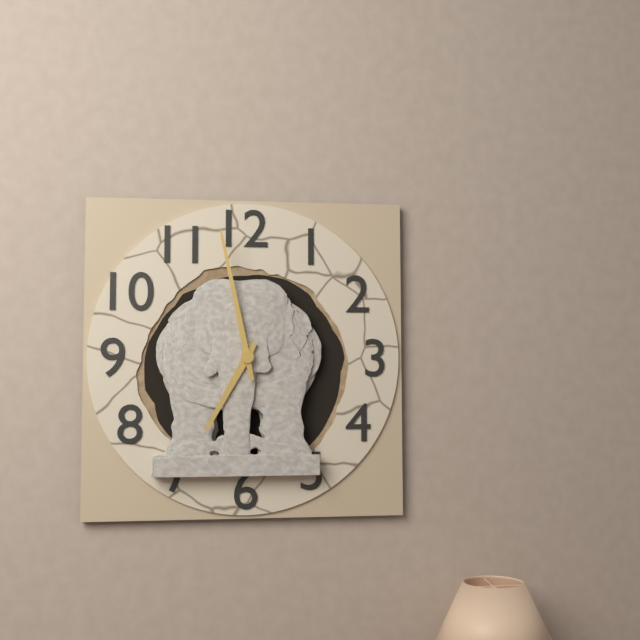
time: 6:58
